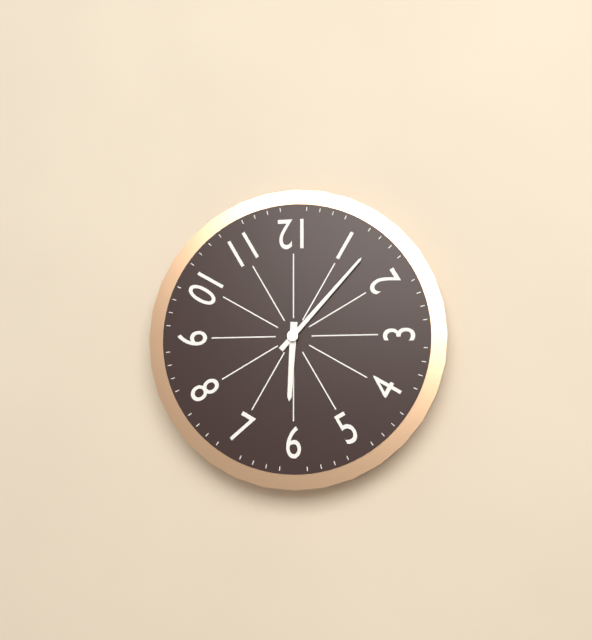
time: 6:07
